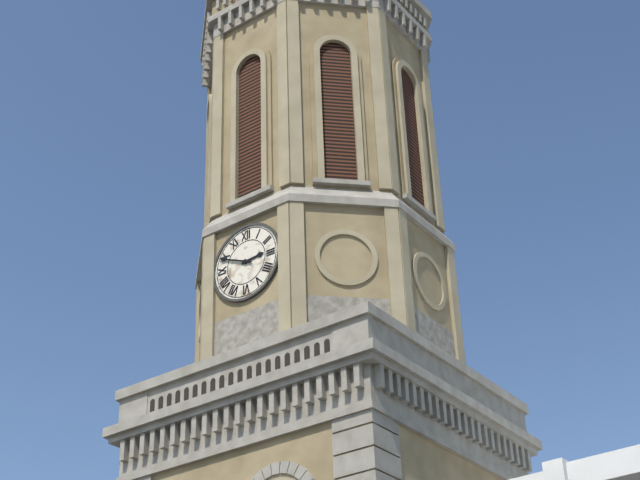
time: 2:49
